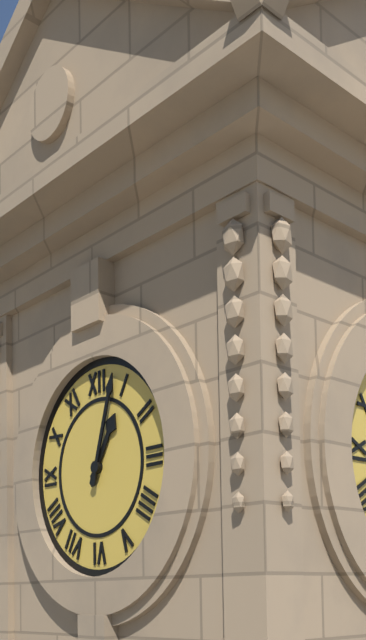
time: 1:03
